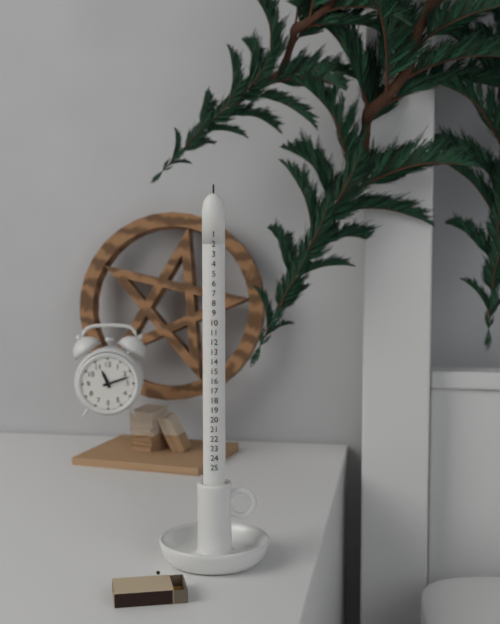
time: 11:12
